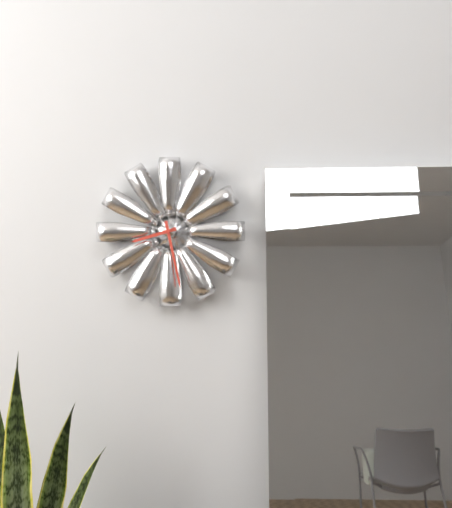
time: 8:28
